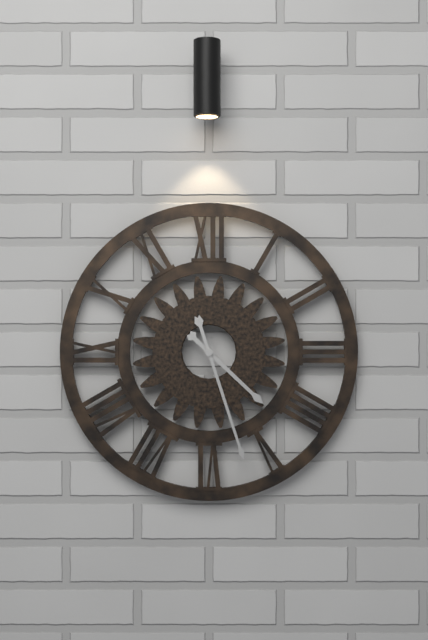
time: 4:27
